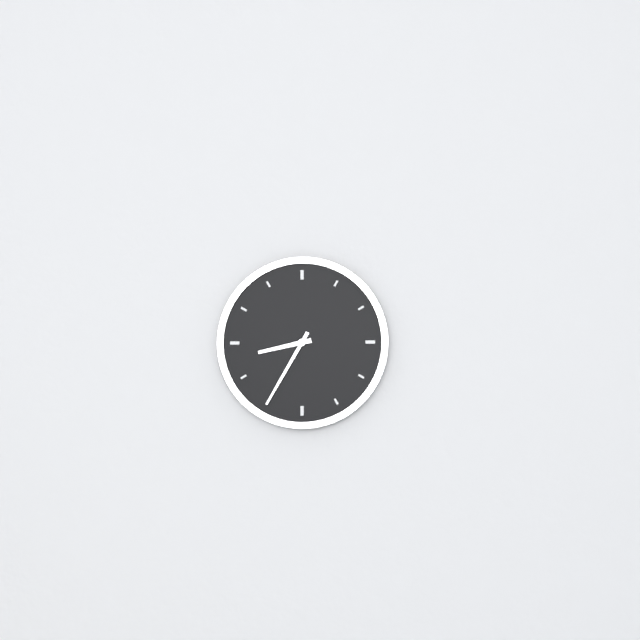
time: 8:35
